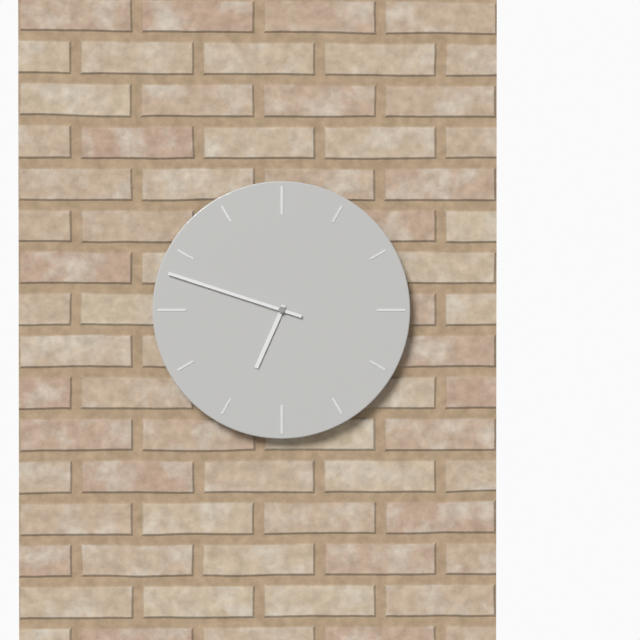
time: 6:48
